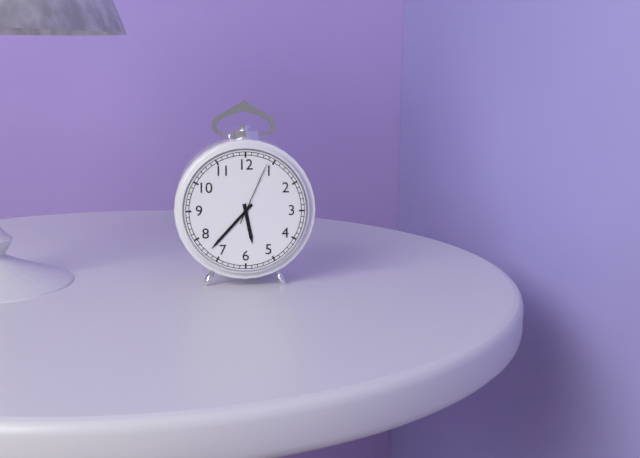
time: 5:37:04
